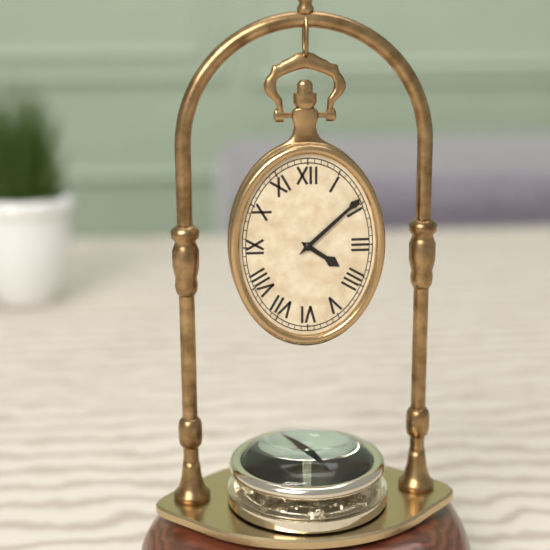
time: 4:08
